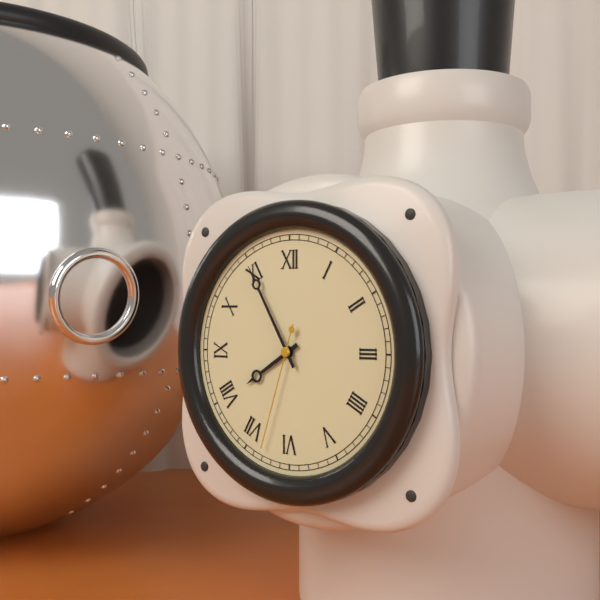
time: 7:55:33
